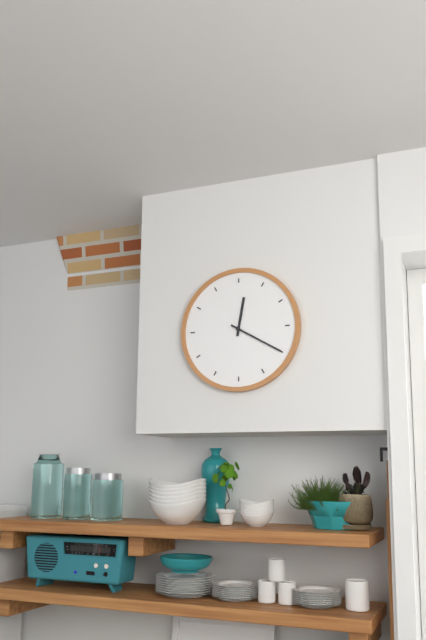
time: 12:20
